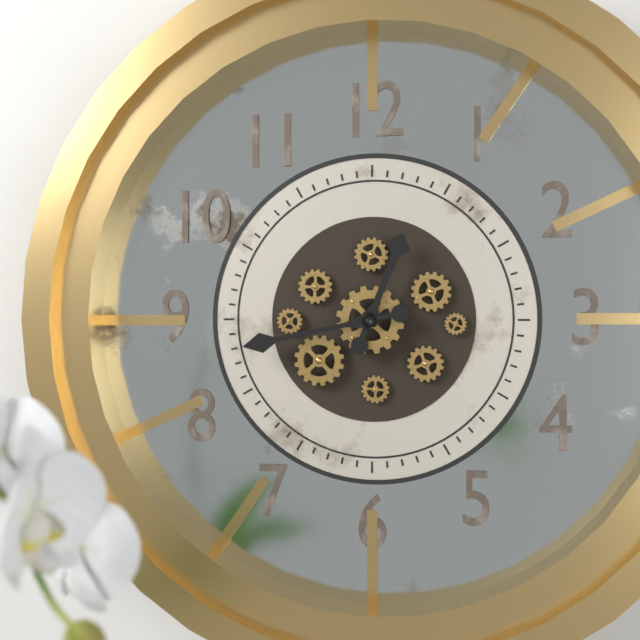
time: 12:43
